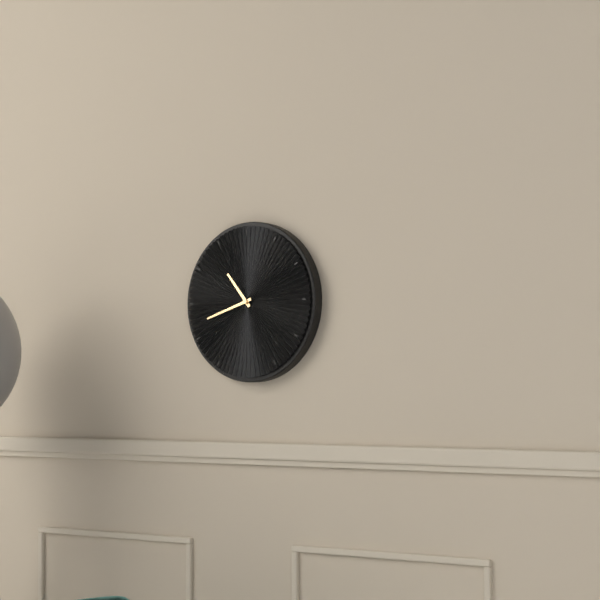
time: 10:42
